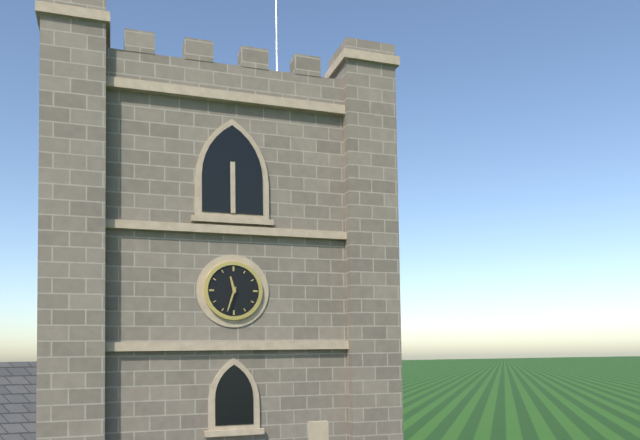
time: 11:33
